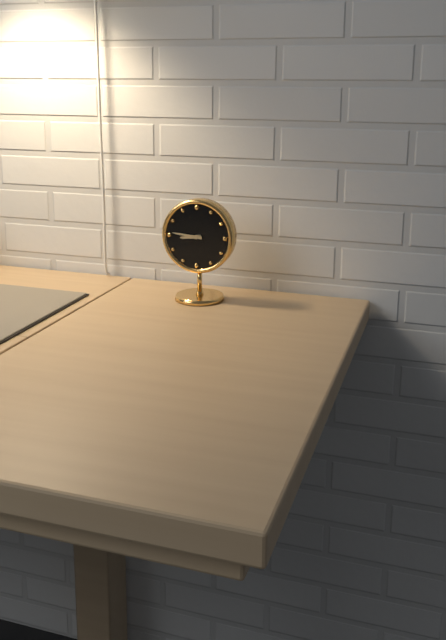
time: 8:46
